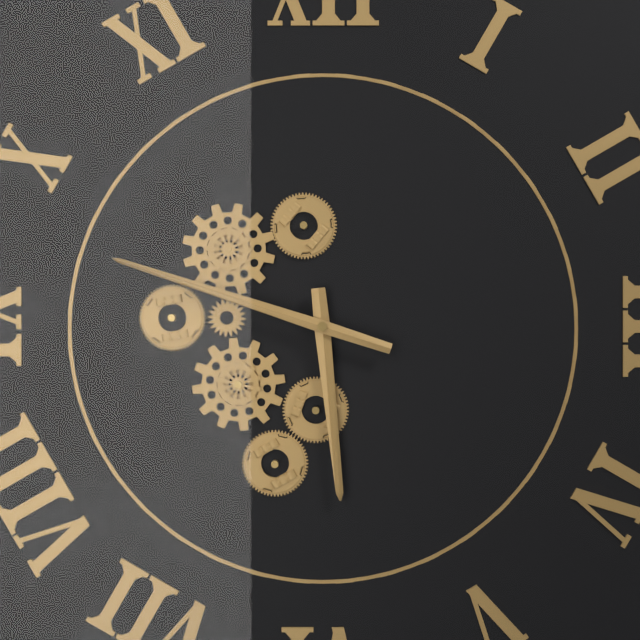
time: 5:48
